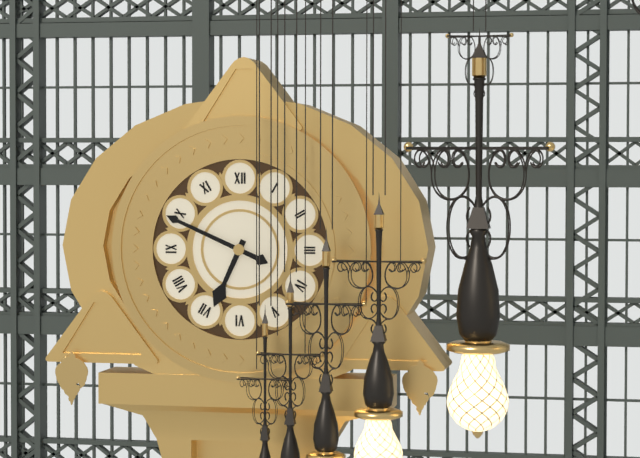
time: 6:49
